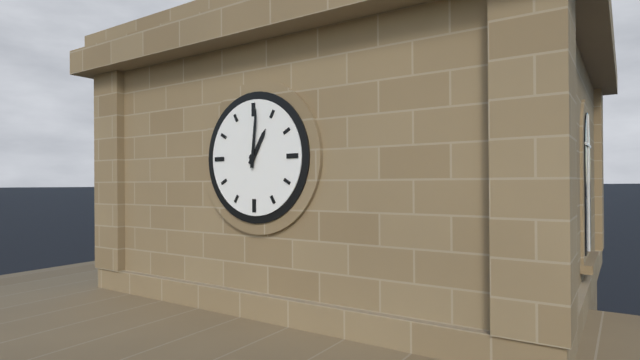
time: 1:01
